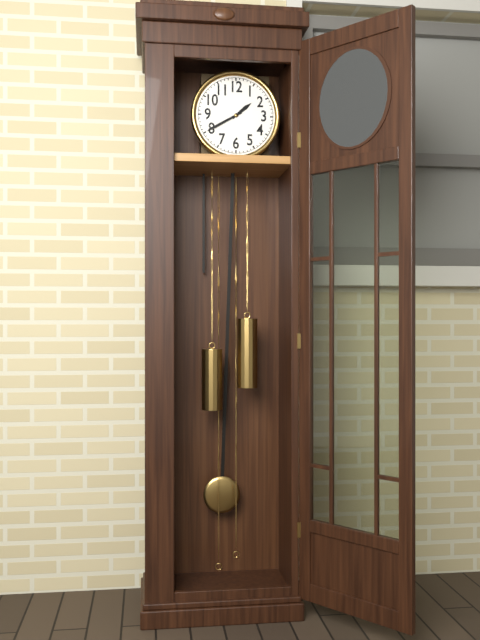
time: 1:40
